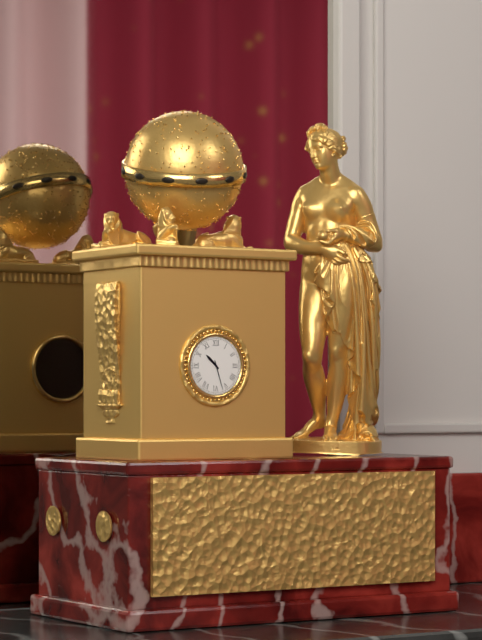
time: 10:27
